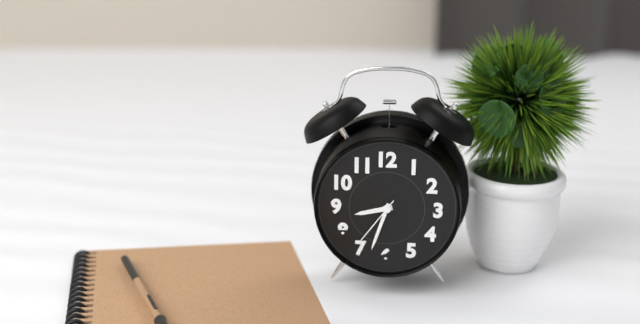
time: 8:33:36
